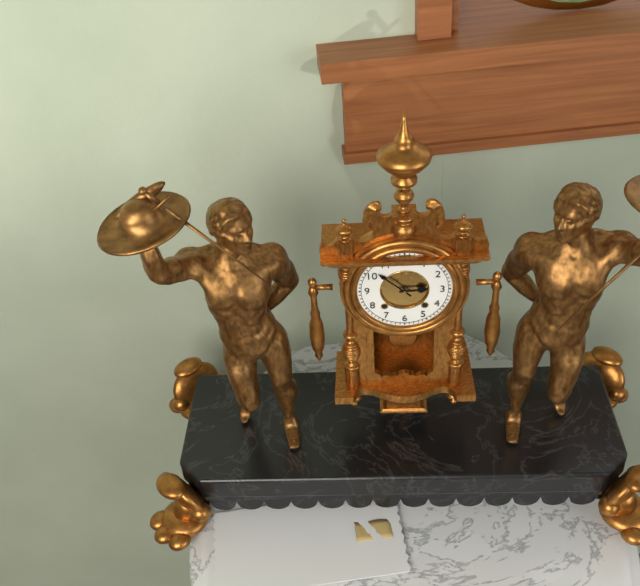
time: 2:52
